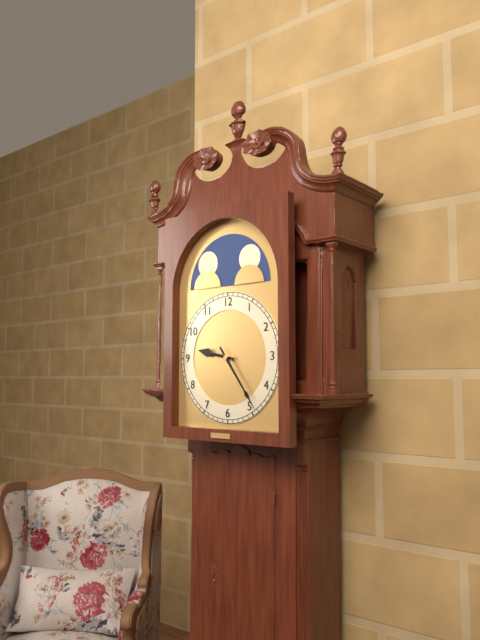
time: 9:24
